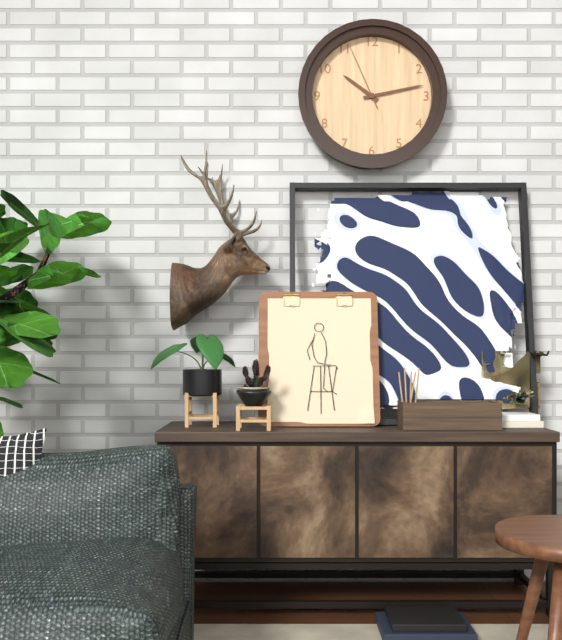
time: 10:13:56
